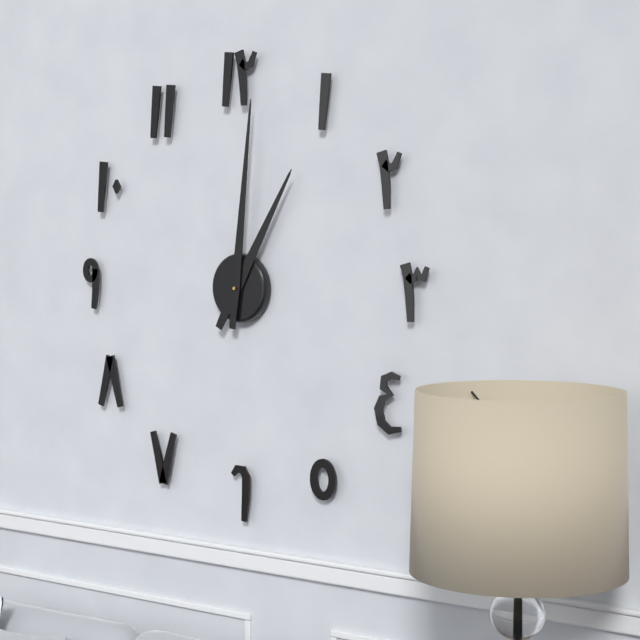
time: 1:01
